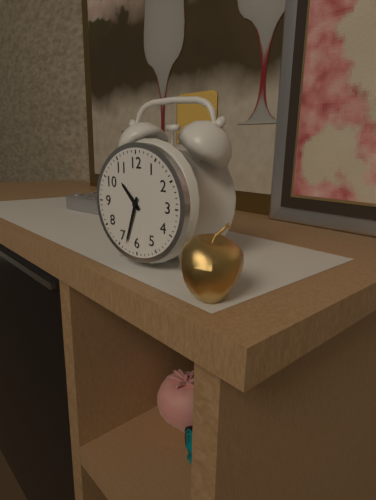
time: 10:33
